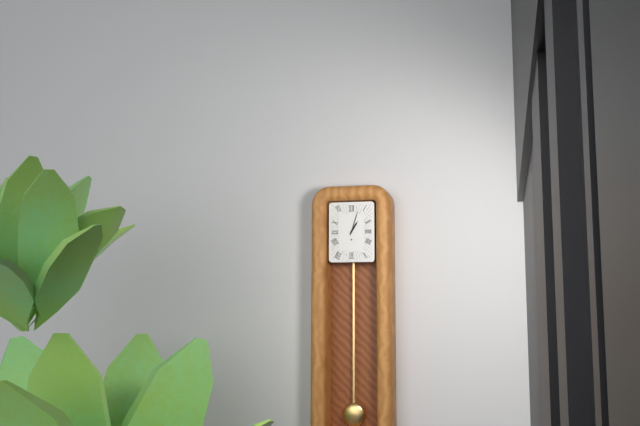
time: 1:03
